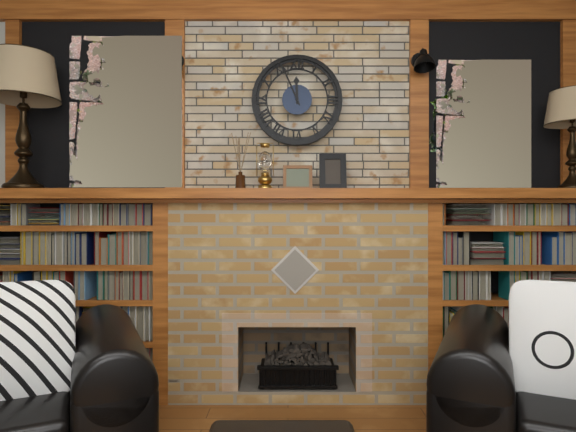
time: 11:56
